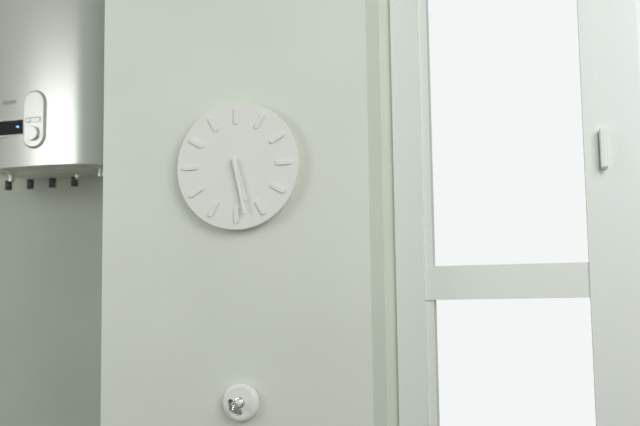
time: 5:28
